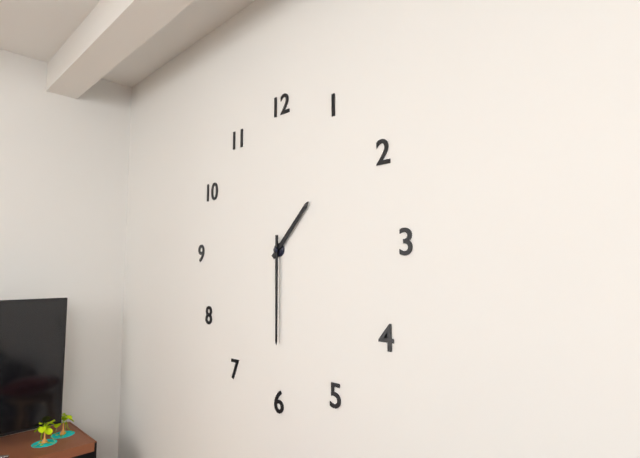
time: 1:30
